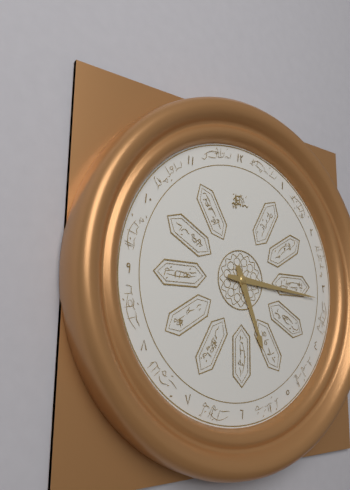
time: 5:16
